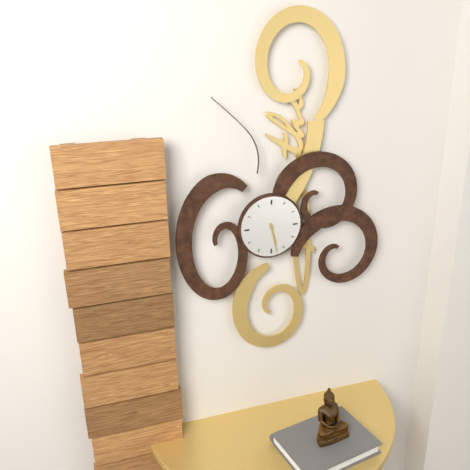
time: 5:28
